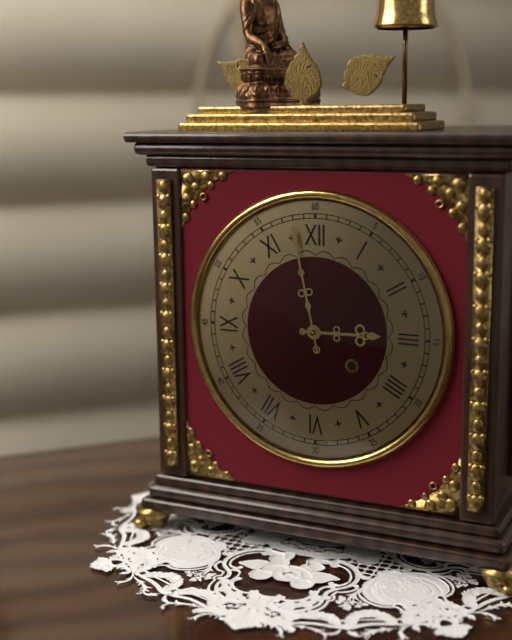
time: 2:58
